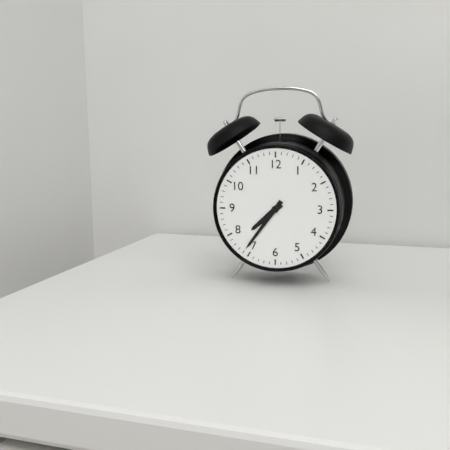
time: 7:36
